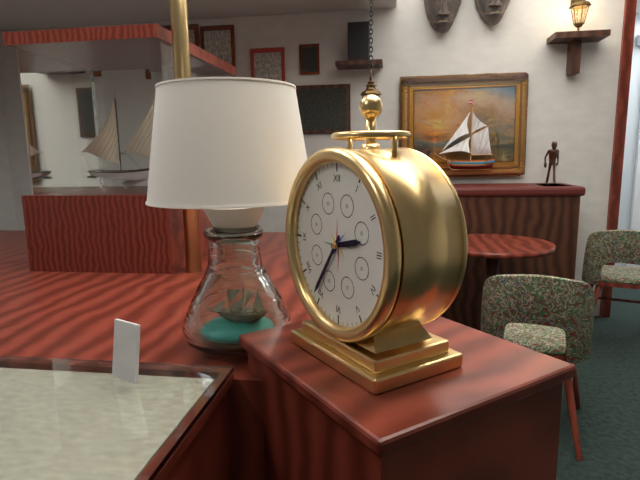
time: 2:36
